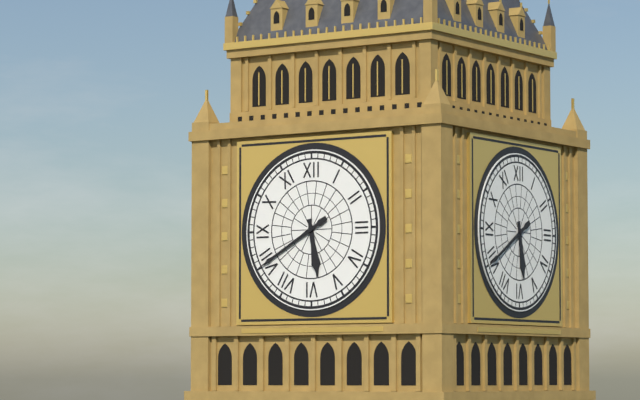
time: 5:40
